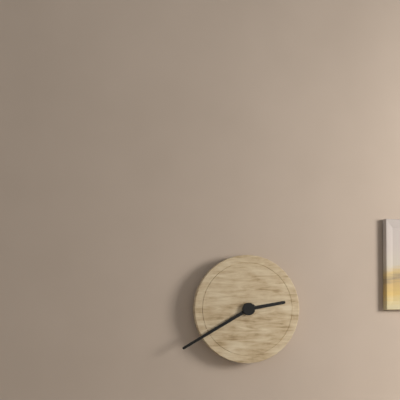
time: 2:40
